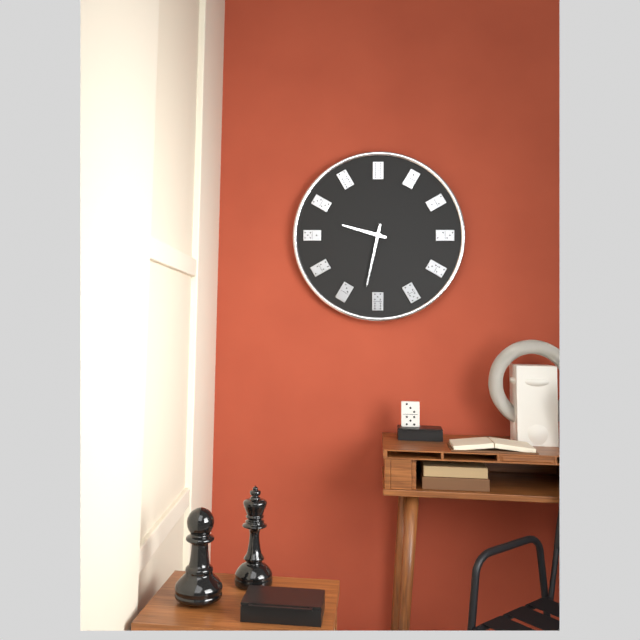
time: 9:32
